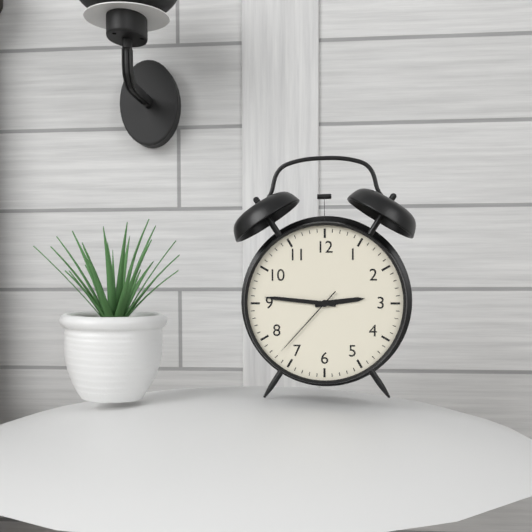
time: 2:46:37
